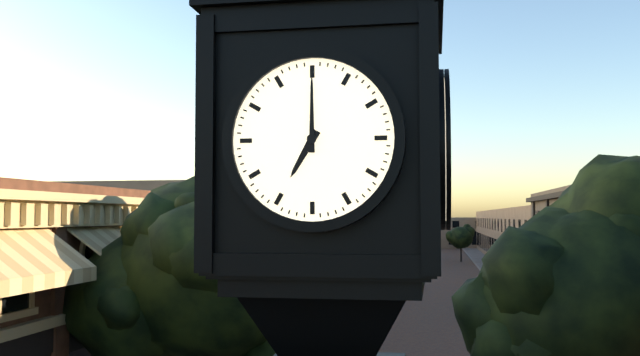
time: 7:00
